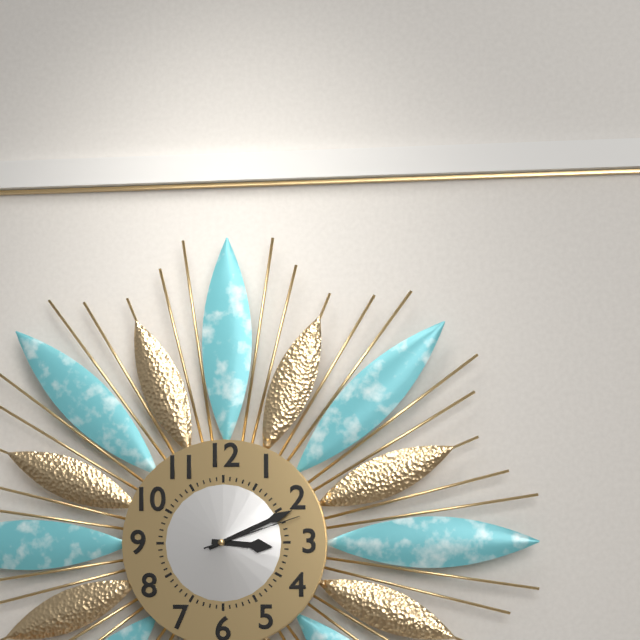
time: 3:11:12
